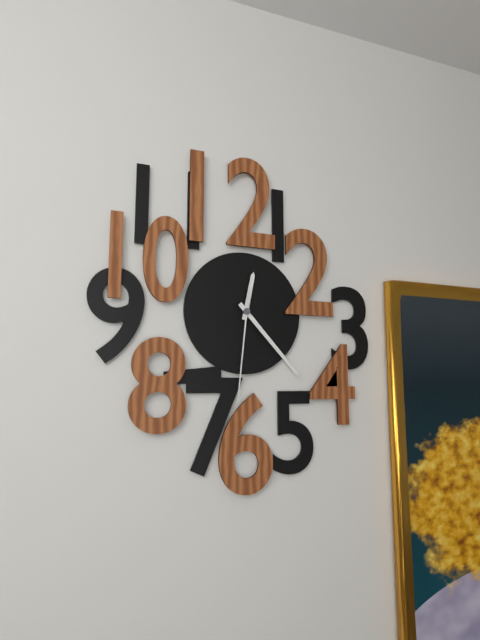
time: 12:23:31
